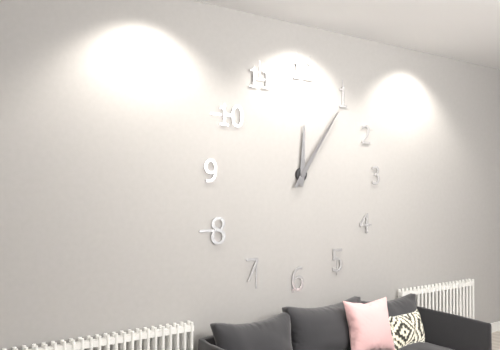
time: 12:06
